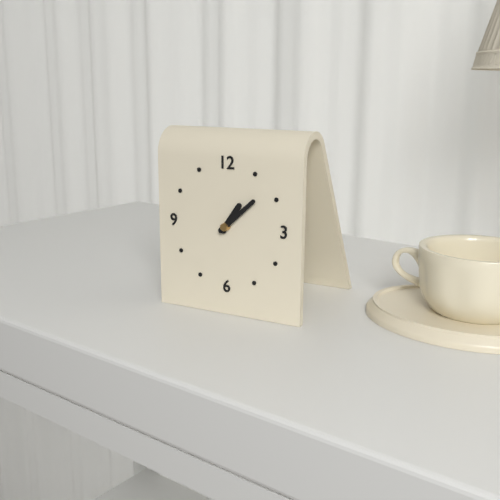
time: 1:08
